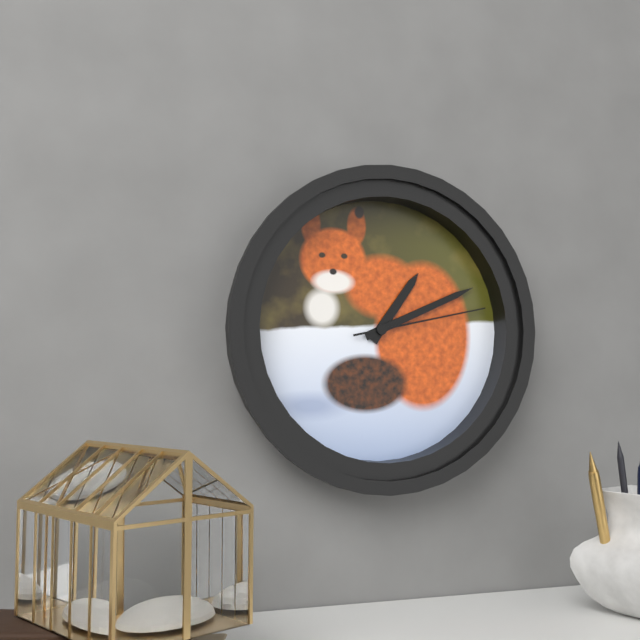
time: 1:11:13
